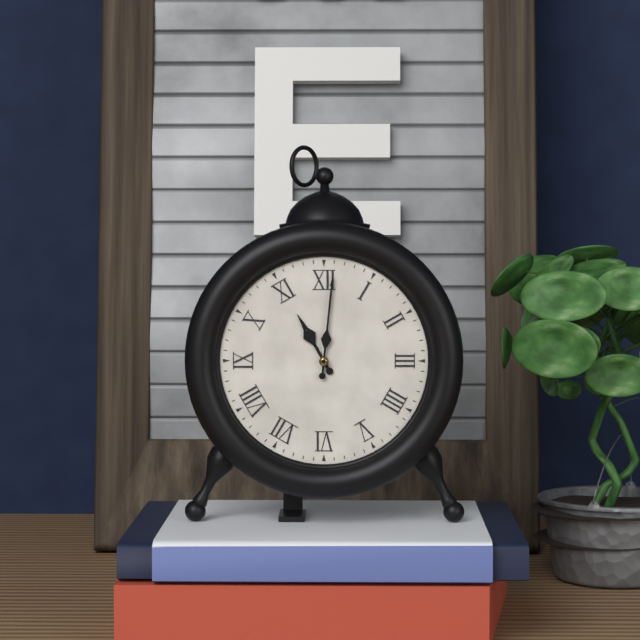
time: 11:01
